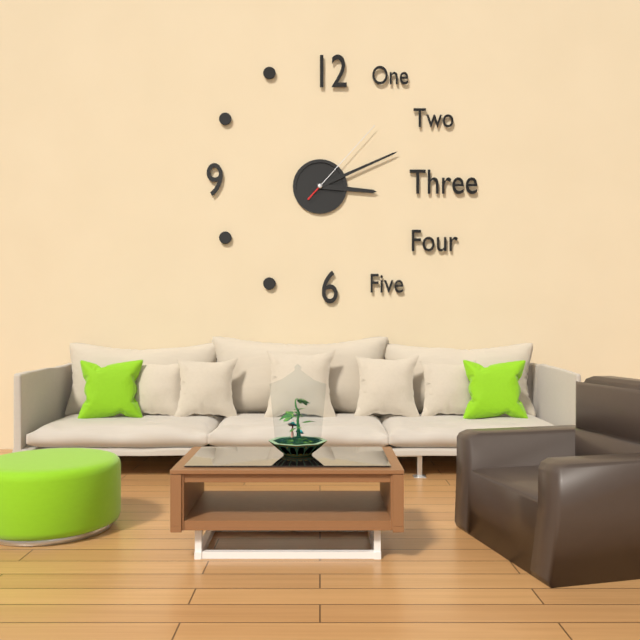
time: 3:11:07
